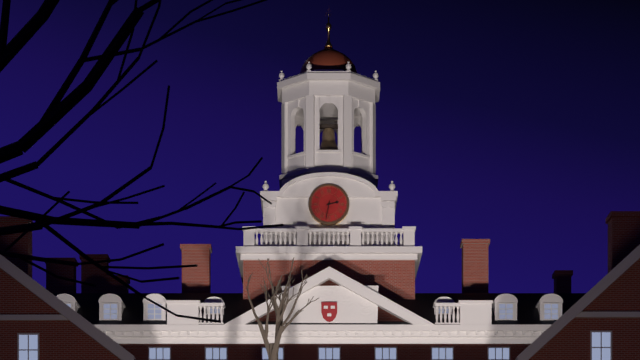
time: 2:32
